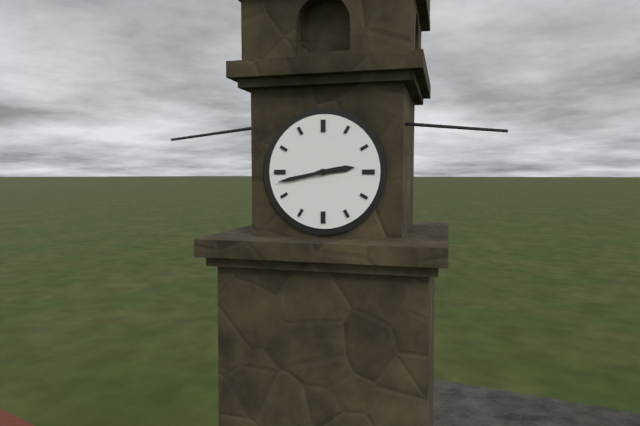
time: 2:43
